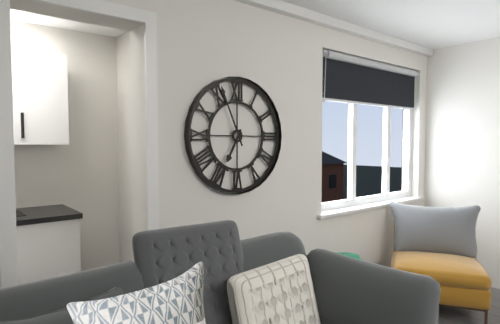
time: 6:56
